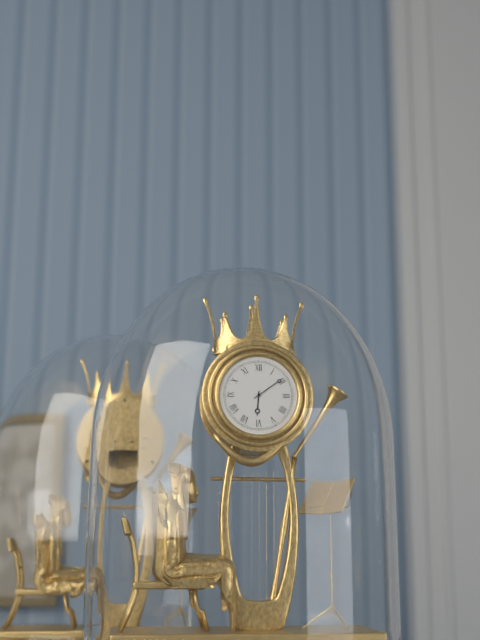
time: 6:09
